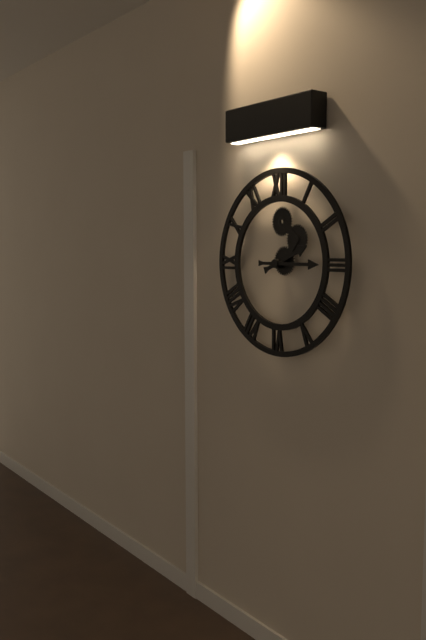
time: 2:15
